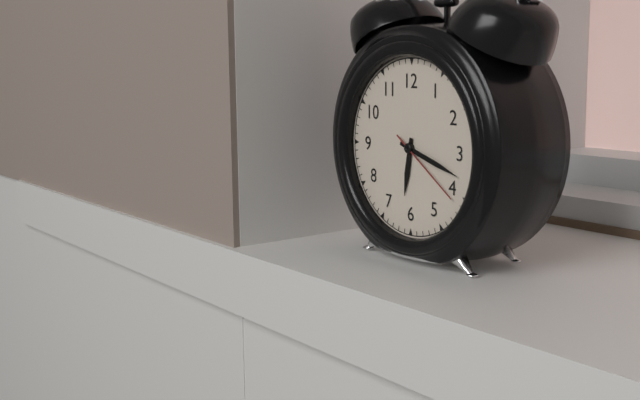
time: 6:18:21
